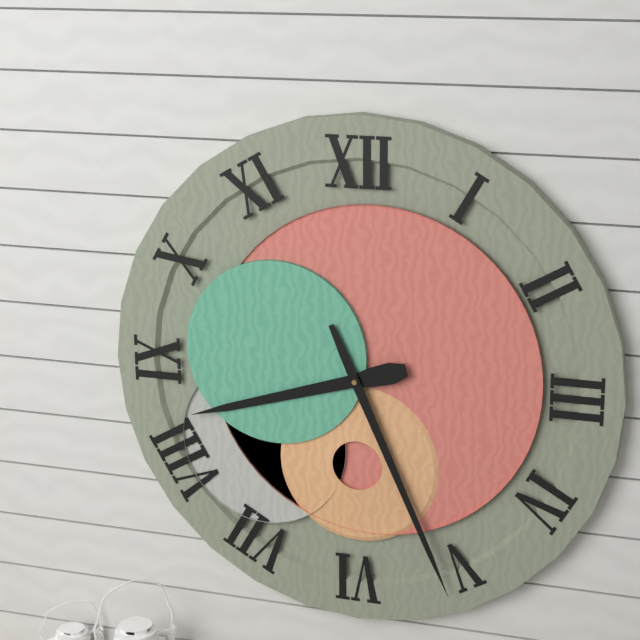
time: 8:26
